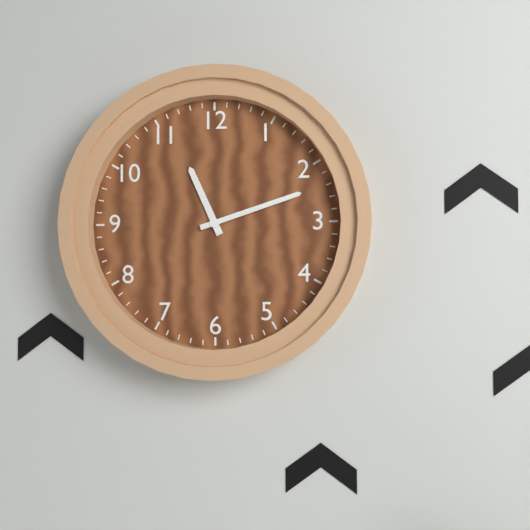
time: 11:12
